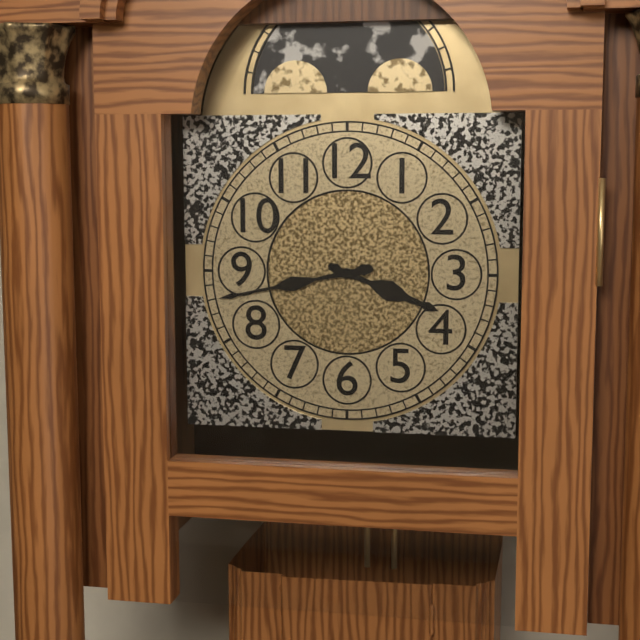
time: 3:43
